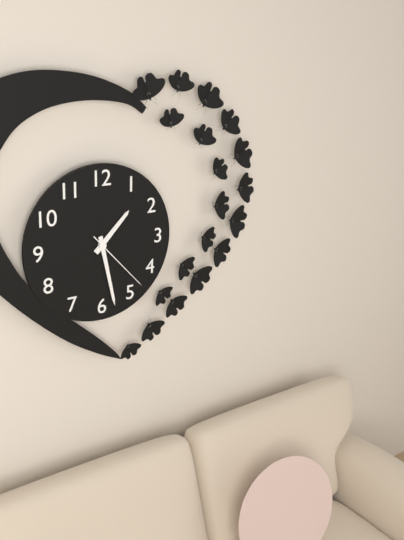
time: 1:28:23
